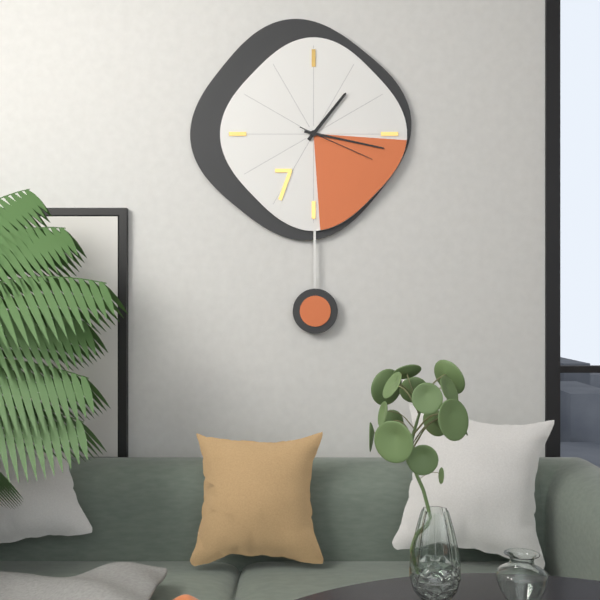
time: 1:17:19
